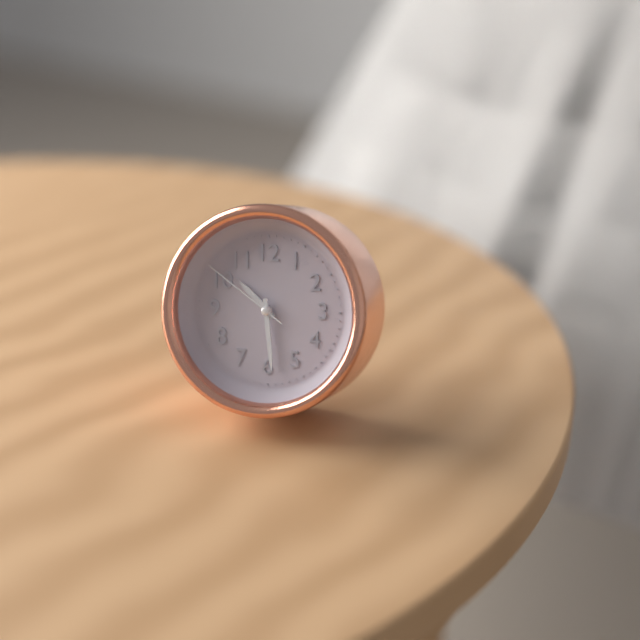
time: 10:29:51
